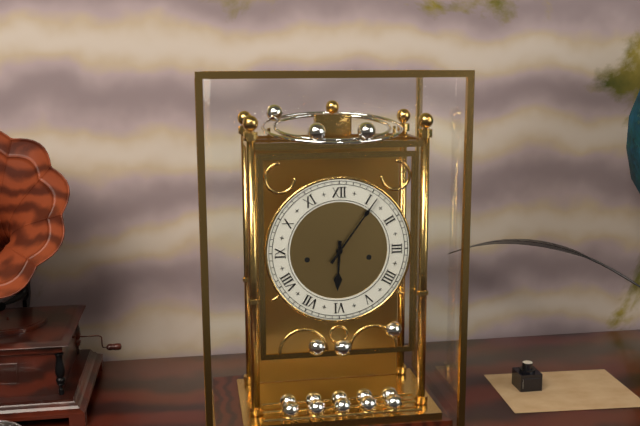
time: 6:06
